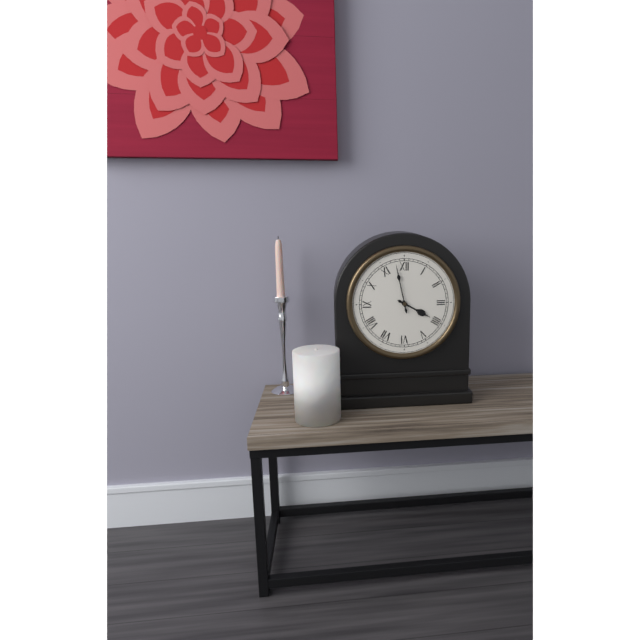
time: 3:58
